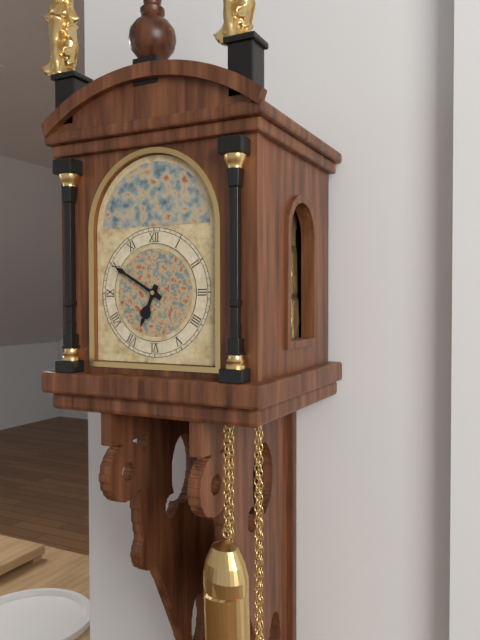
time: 6:50
